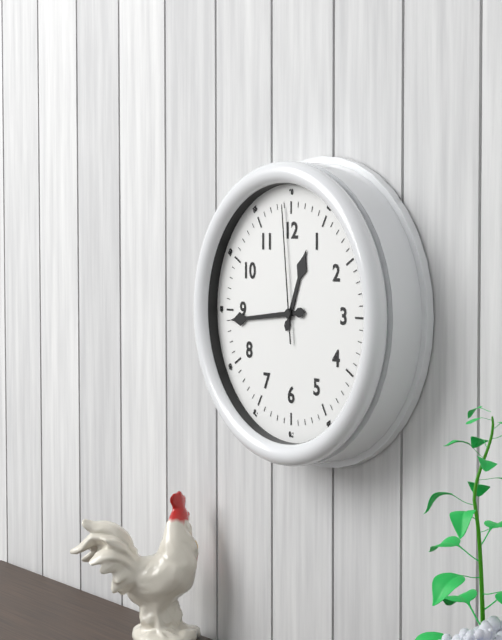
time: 12:44:59
